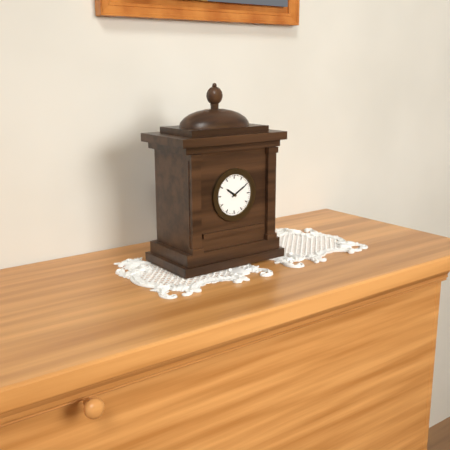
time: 10:10
